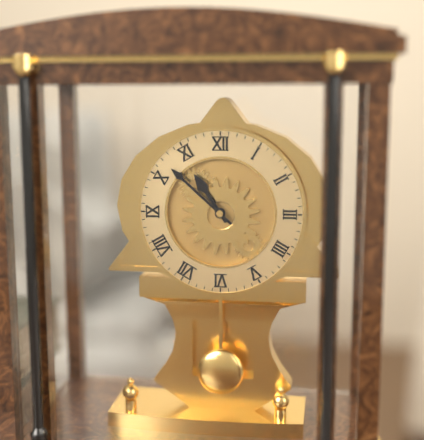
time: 10:52
